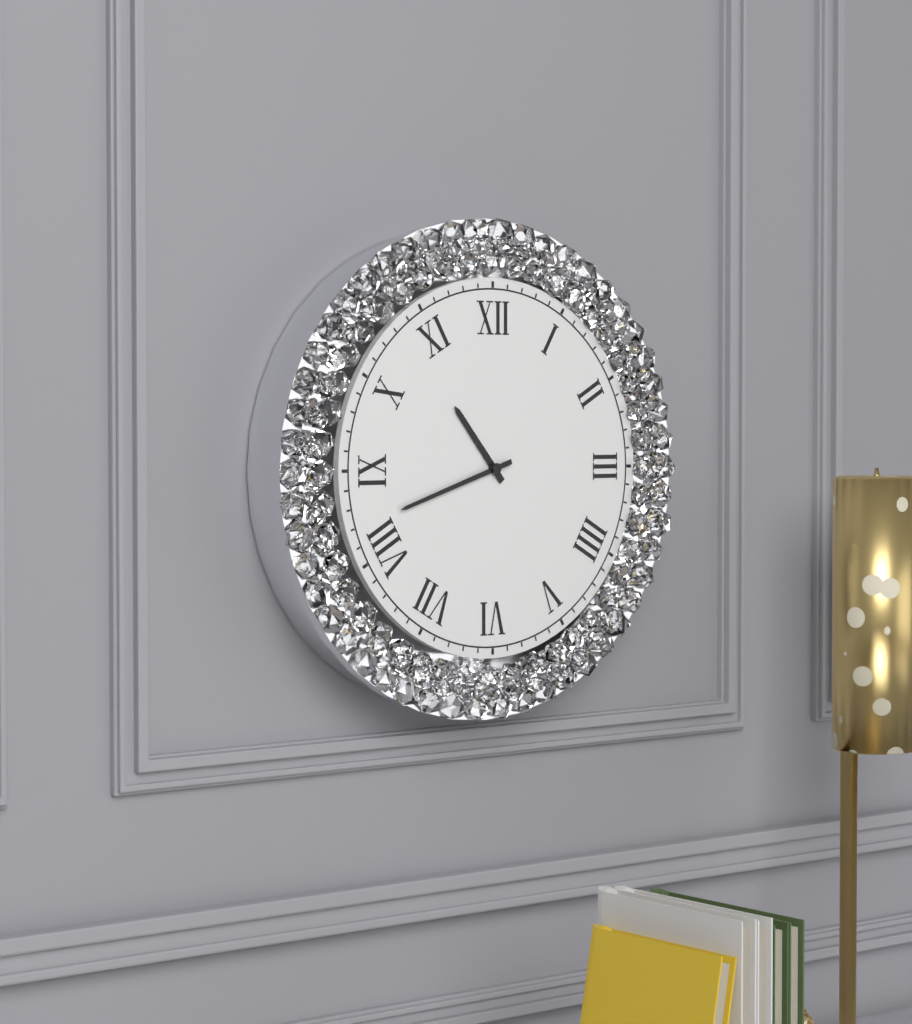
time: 10:42
